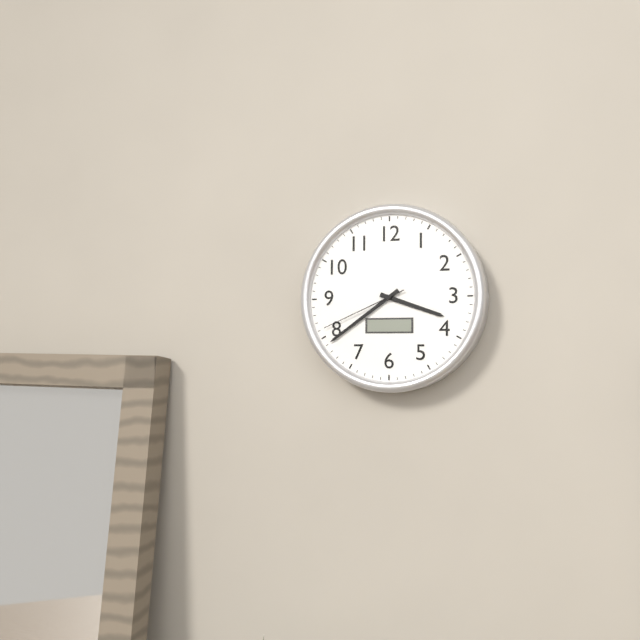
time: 3:39:41
